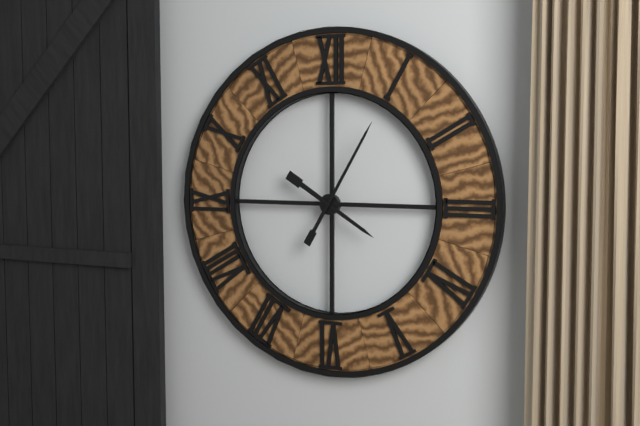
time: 4:05
